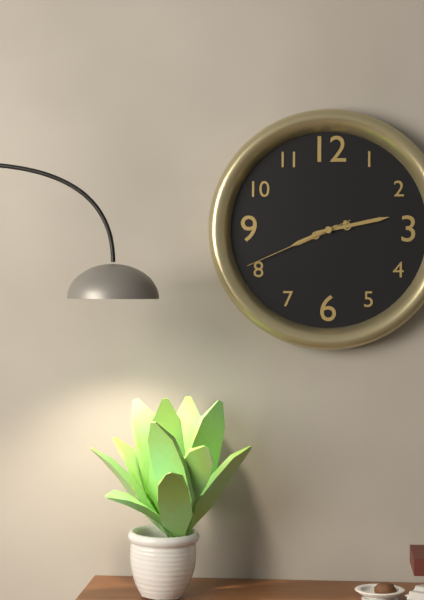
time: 8:13:41
